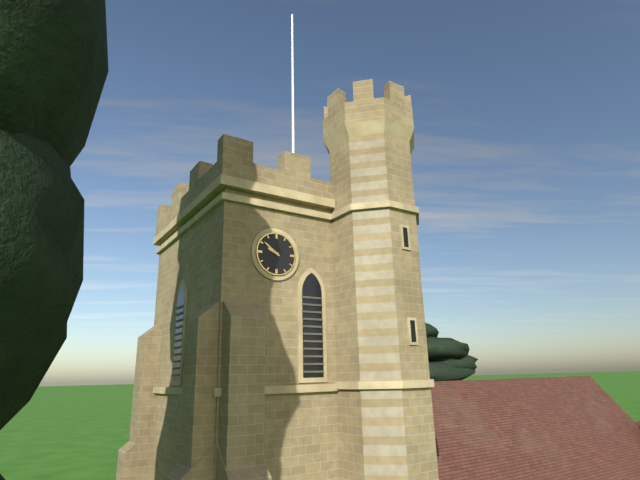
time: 9:51
